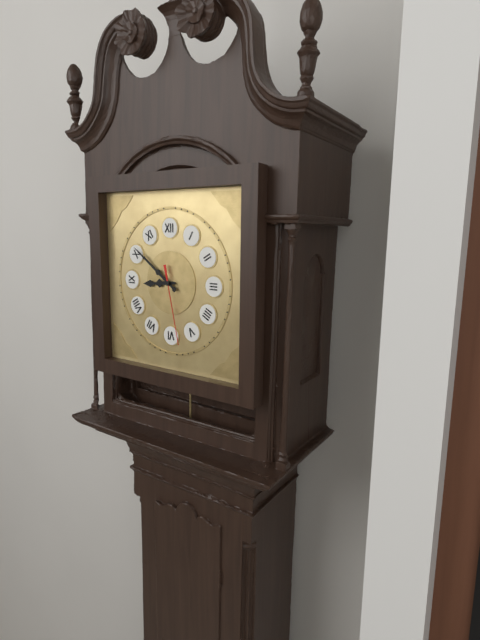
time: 8:51:28
